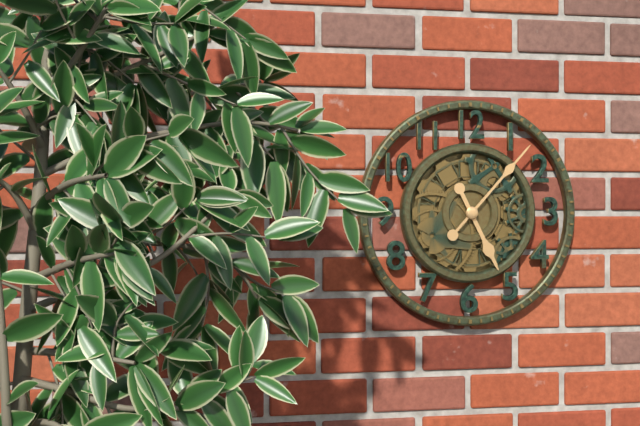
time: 5:07
